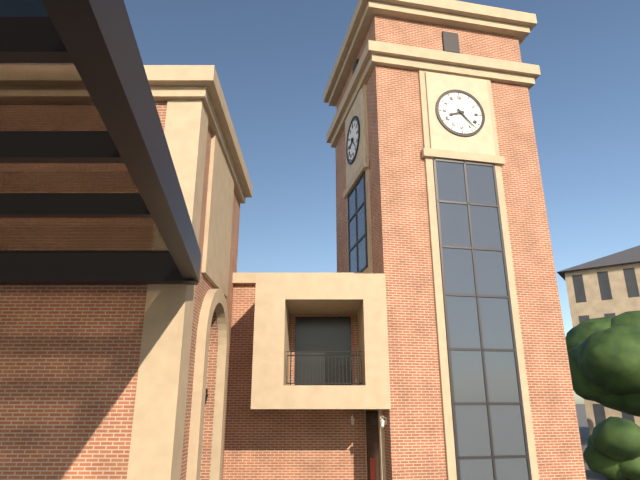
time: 8:23
